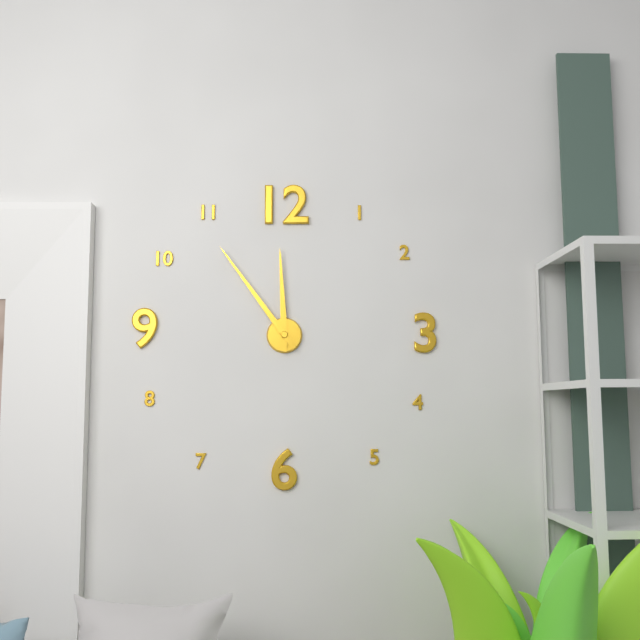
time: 11:54
